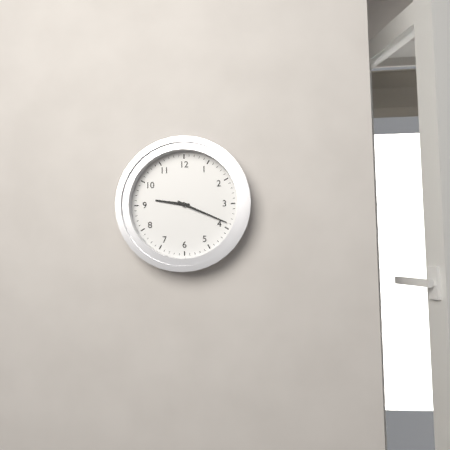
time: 9:19
